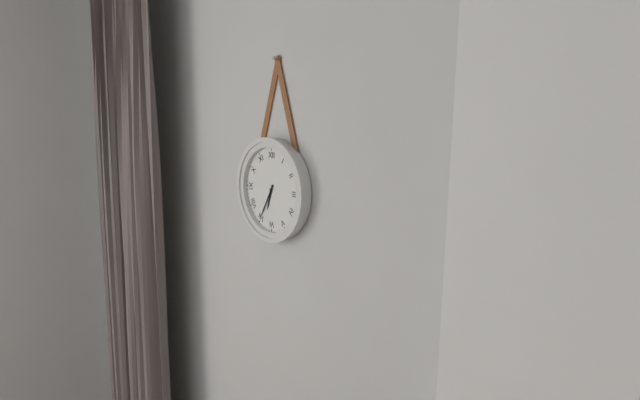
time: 6:35
